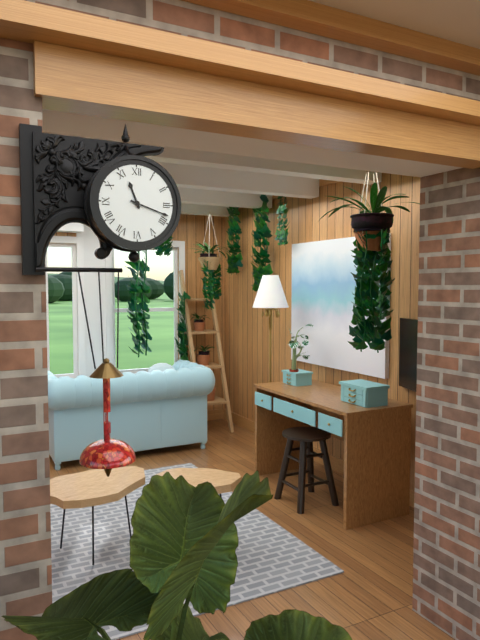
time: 11:18
